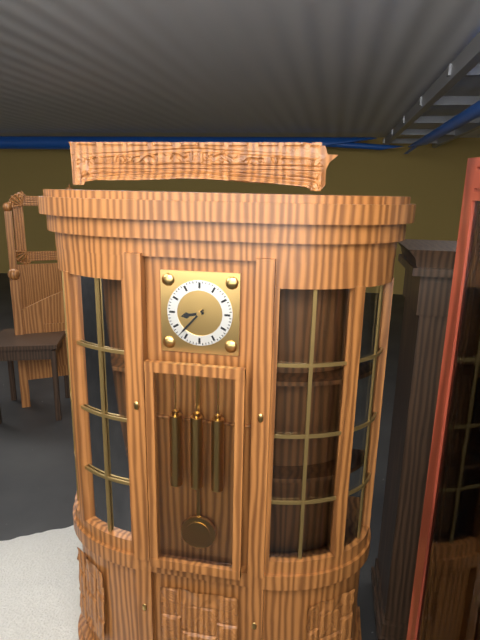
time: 8:37
